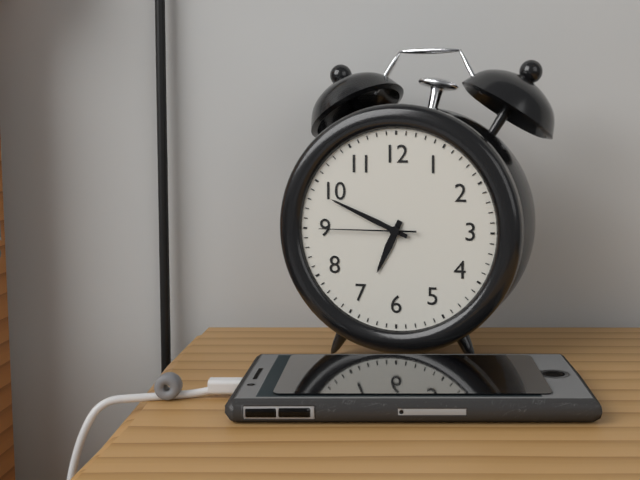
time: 6:49:45
